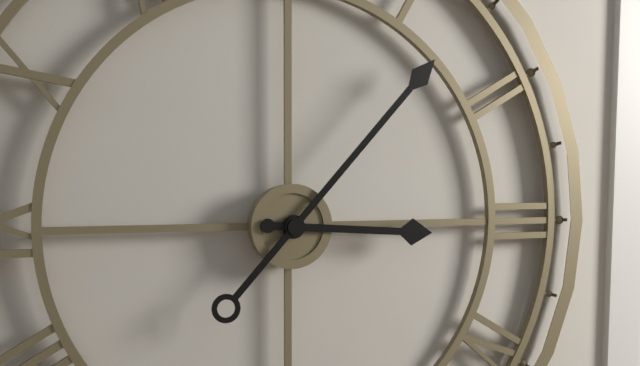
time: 3:07
